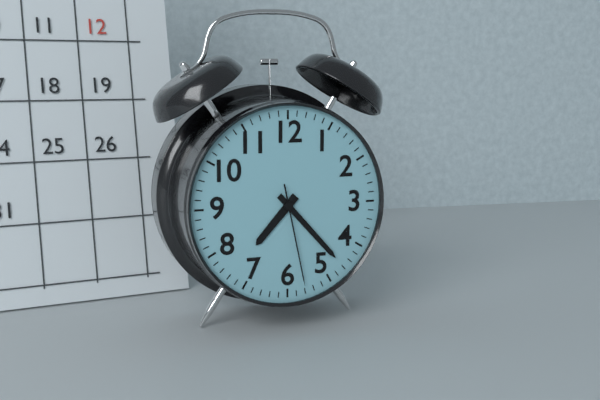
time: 7:23:28
